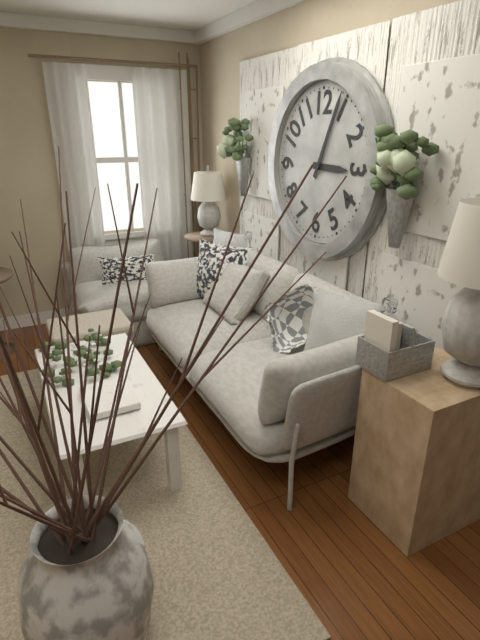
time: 3:04
